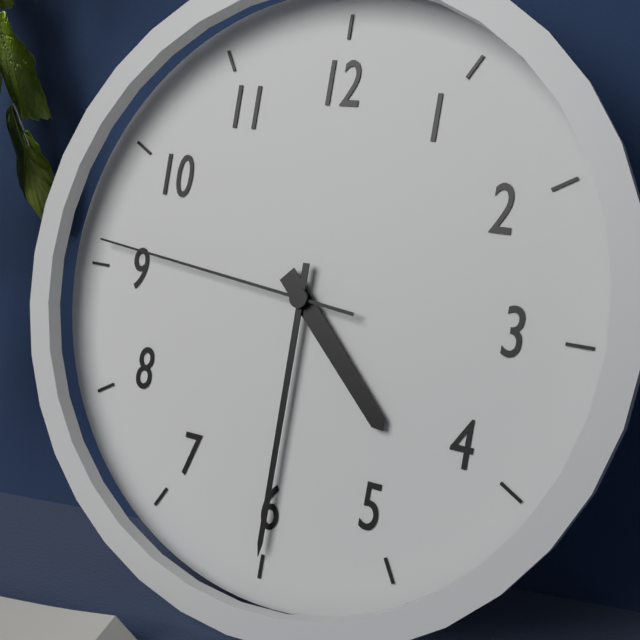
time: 4:30:46
